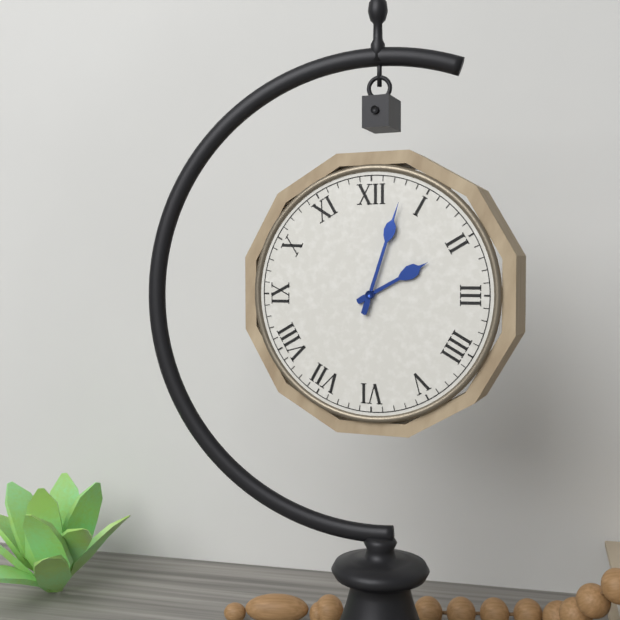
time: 2:03
